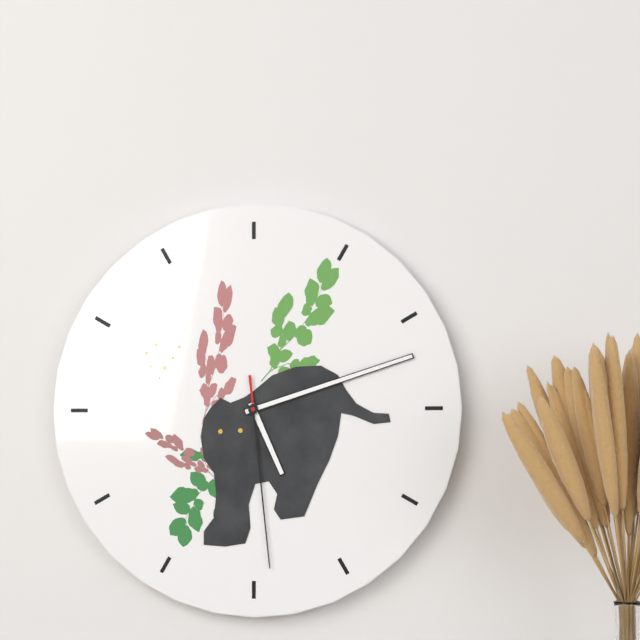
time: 5:12:29
